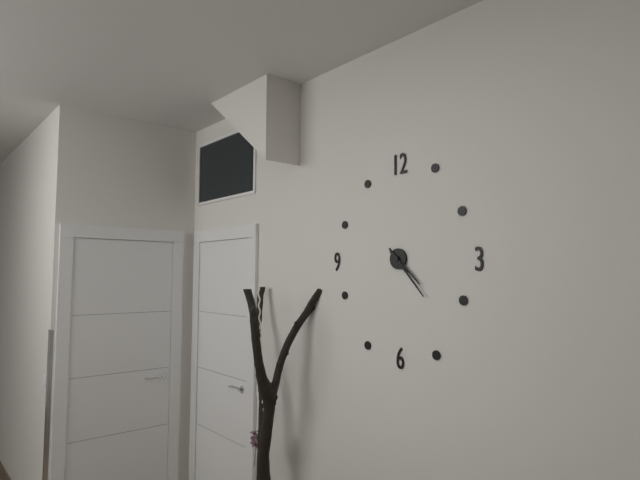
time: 4:23
